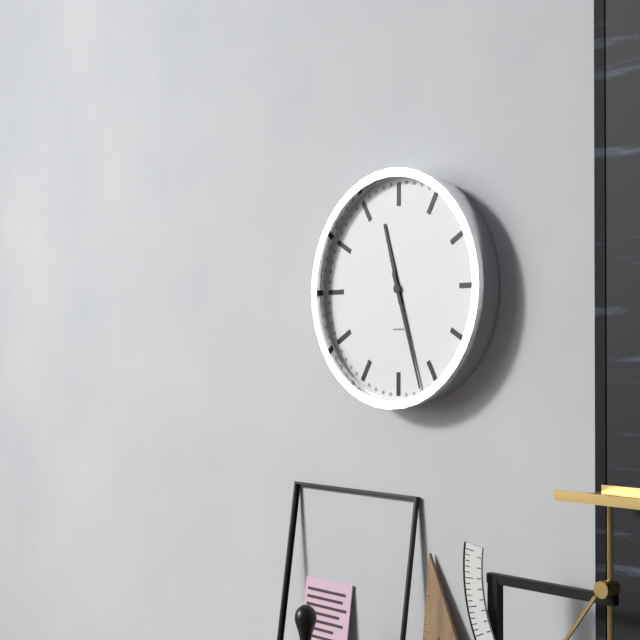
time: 11:27
